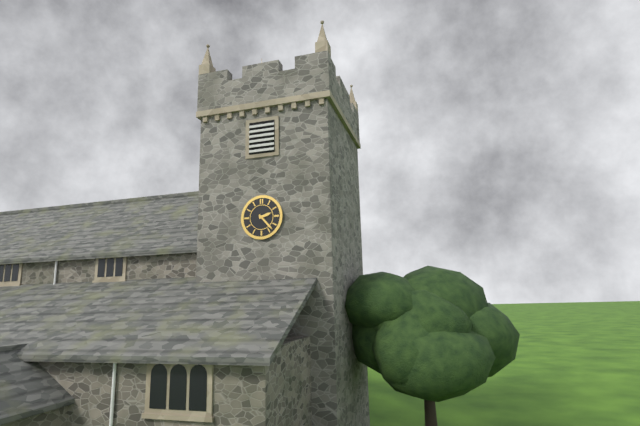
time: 2:23
